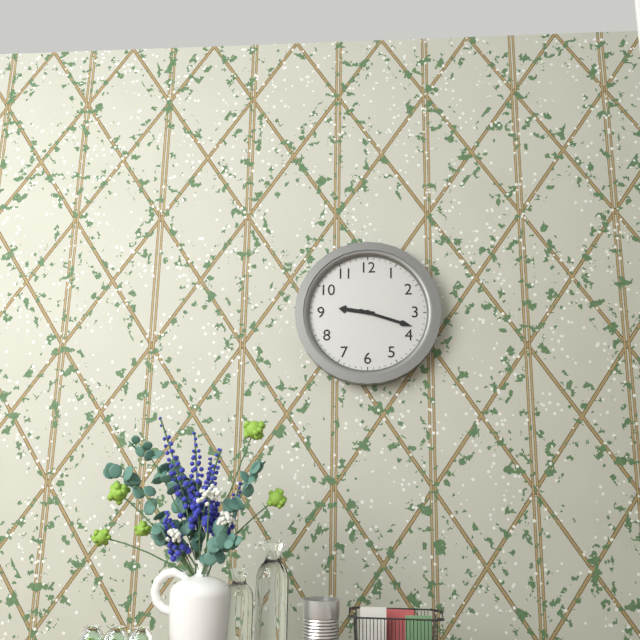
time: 9:18
